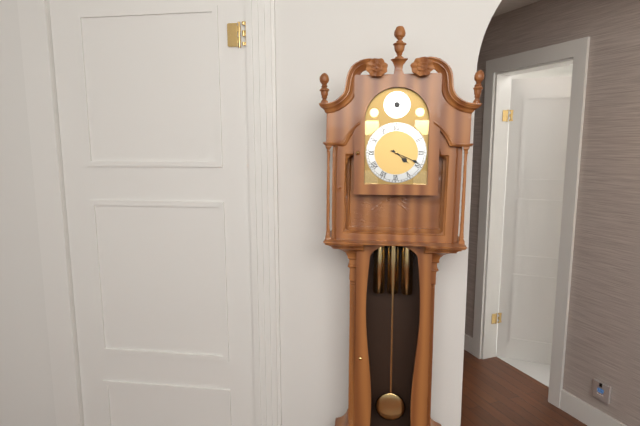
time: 4:19
